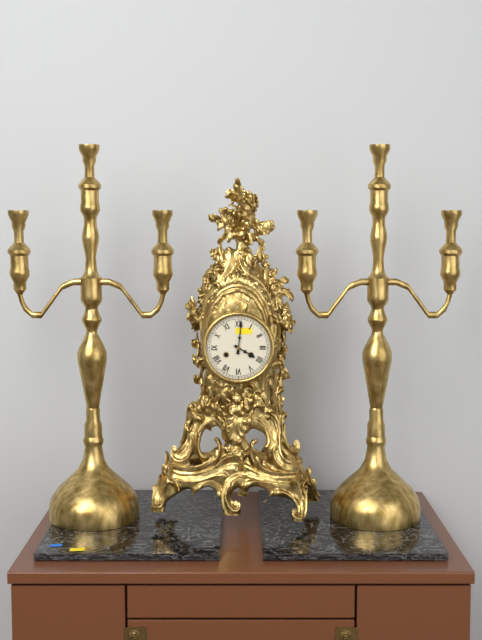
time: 4:01
